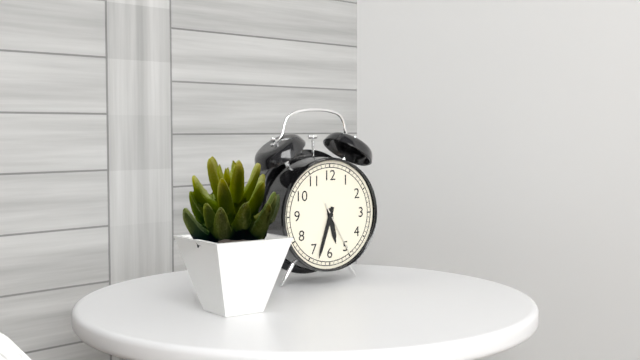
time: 5:33:25
